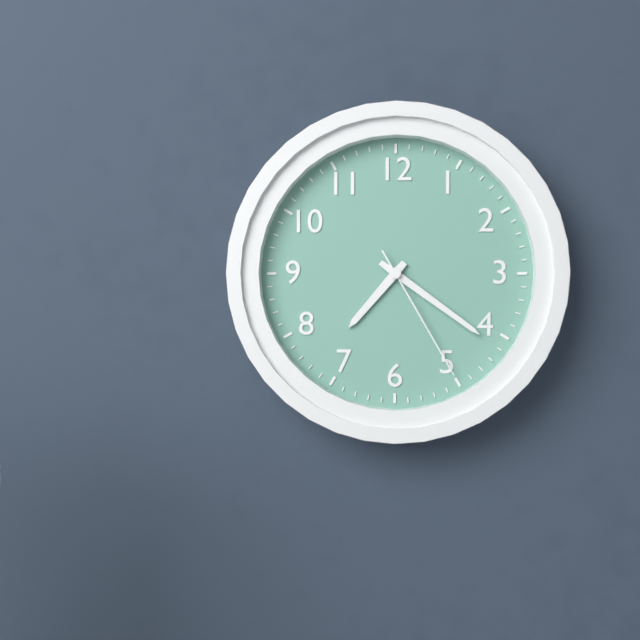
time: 7:21:25
